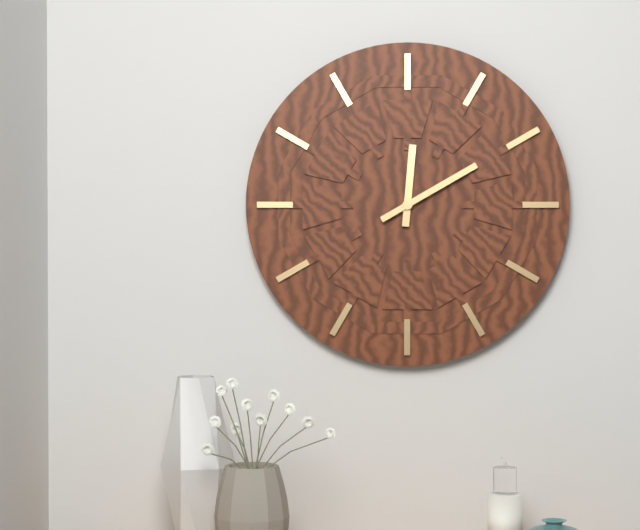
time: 12:10
